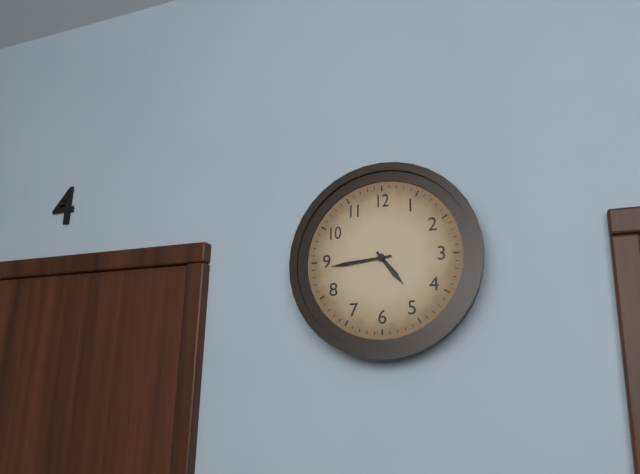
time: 4:44
